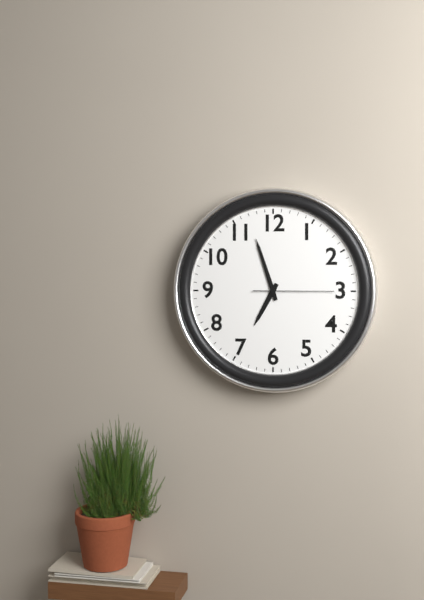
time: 6:57:15
